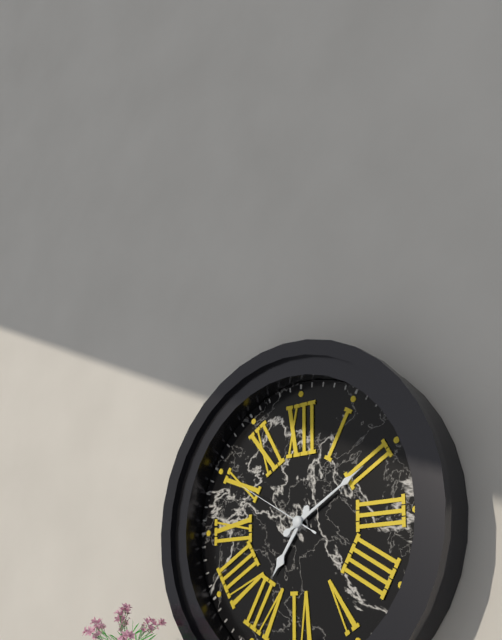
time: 7:10:50
